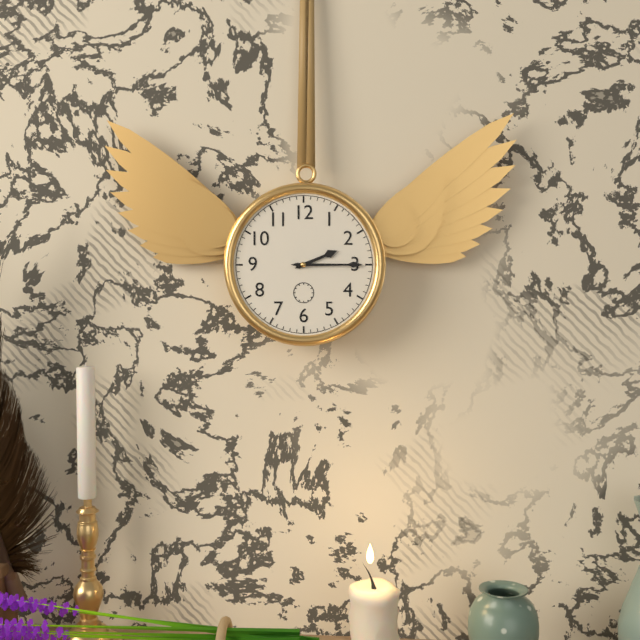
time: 2:15
